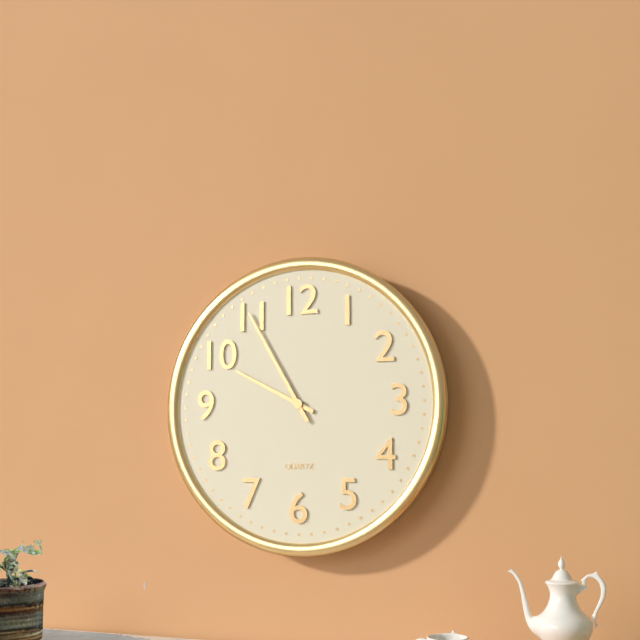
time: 9:55
